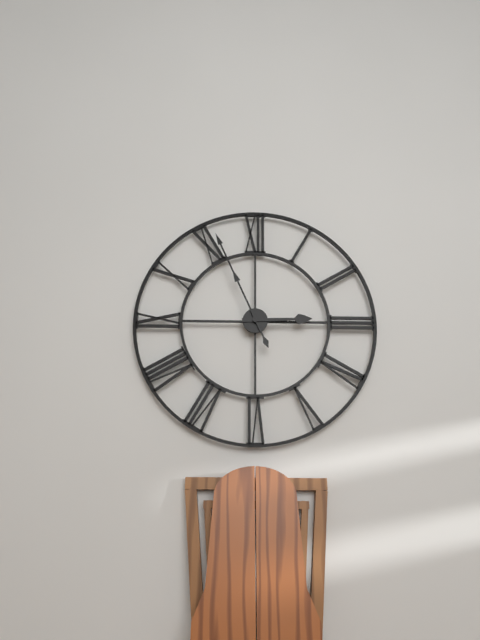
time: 2:56
